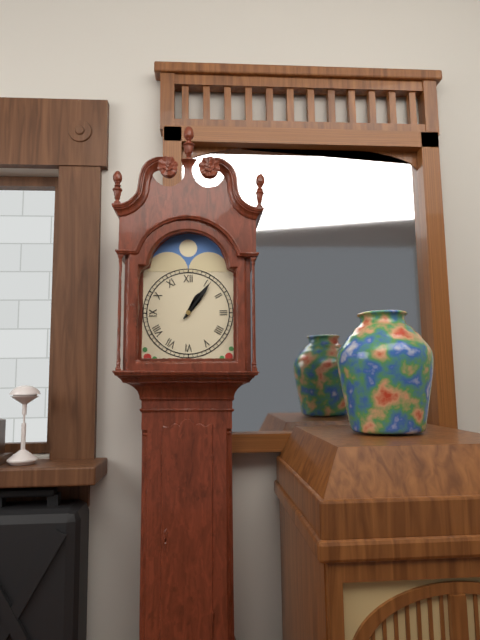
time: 1:06
